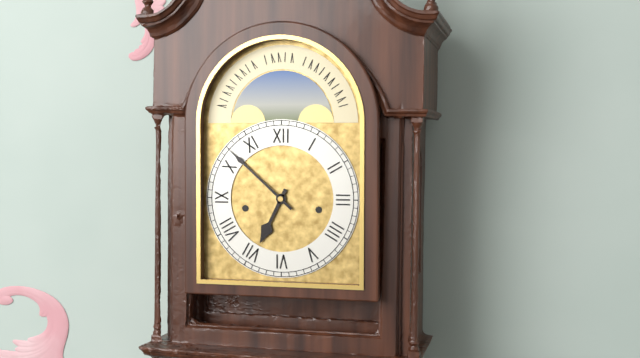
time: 6:52
